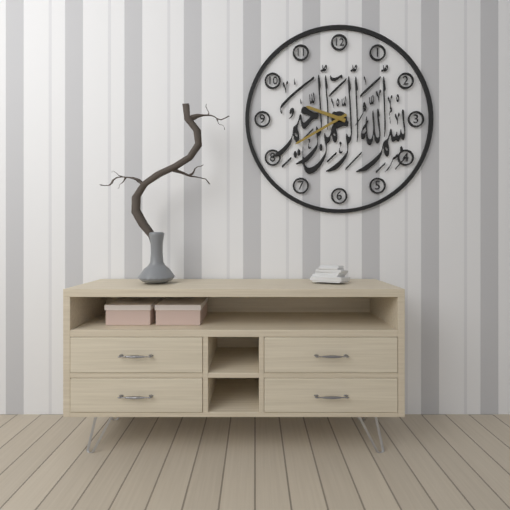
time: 9:40
